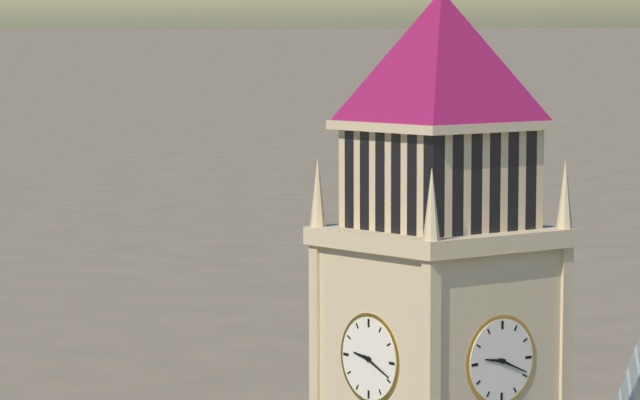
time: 9:19
